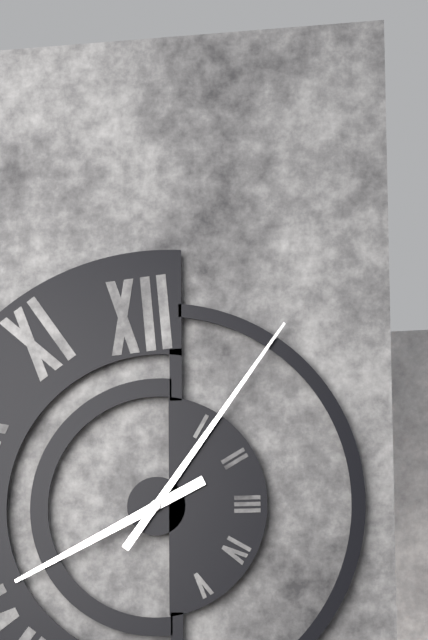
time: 8:06
